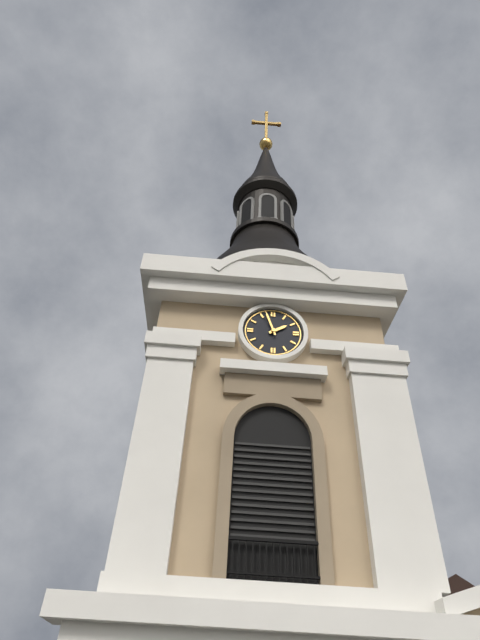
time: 1:57
